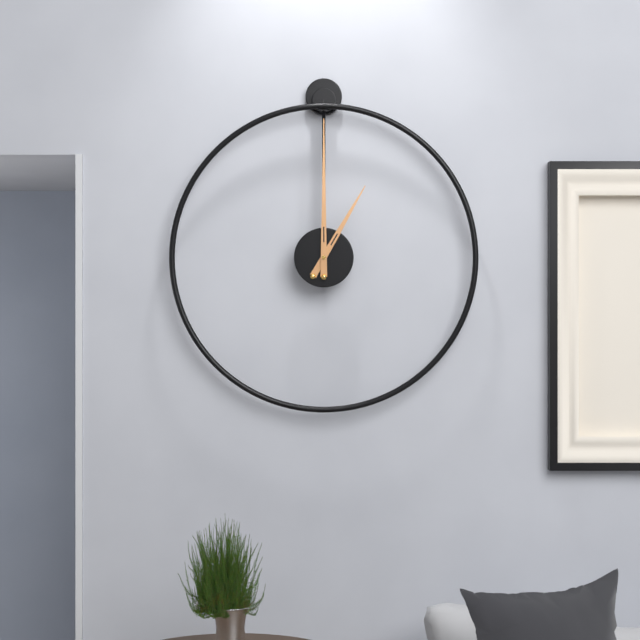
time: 1:00
